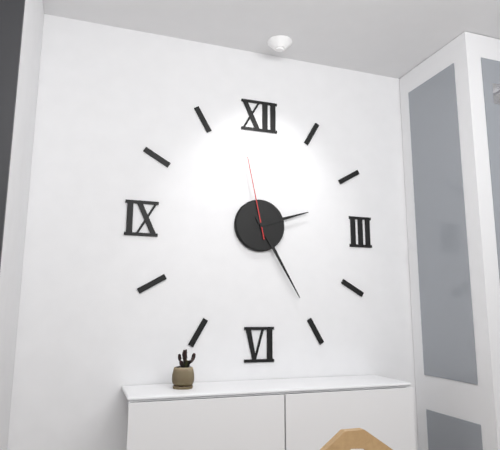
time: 2:25:58
